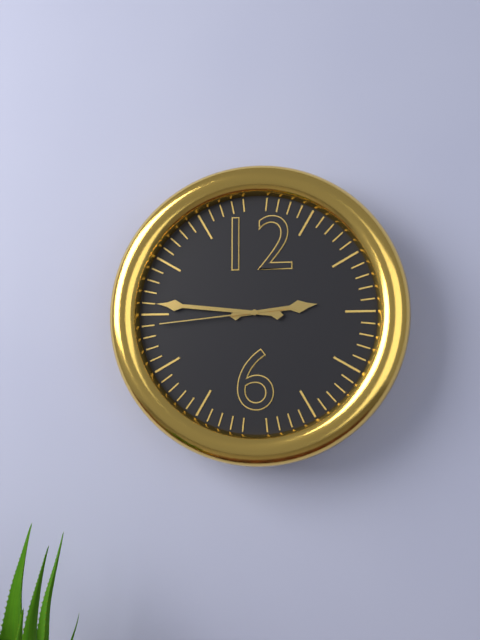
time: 2:46:44
